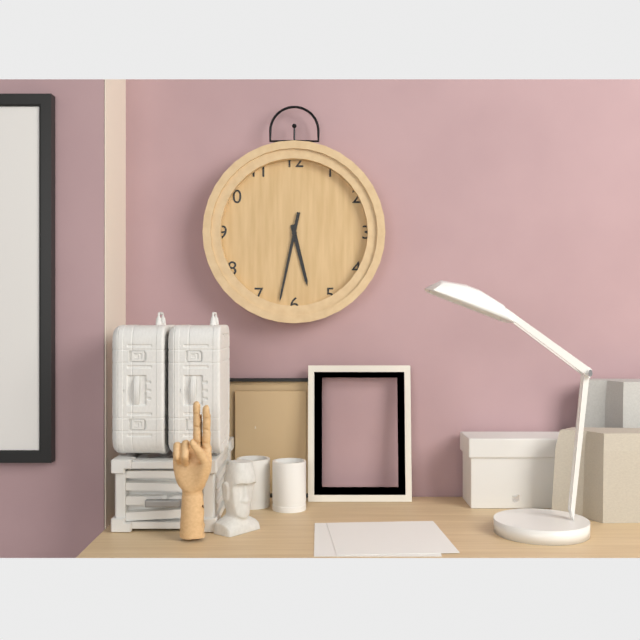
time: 5:32
